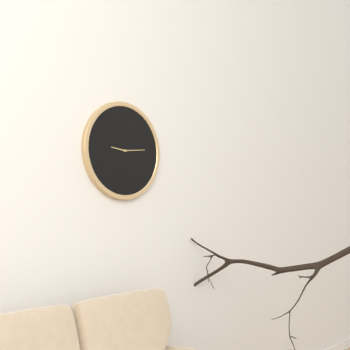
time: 9:14
